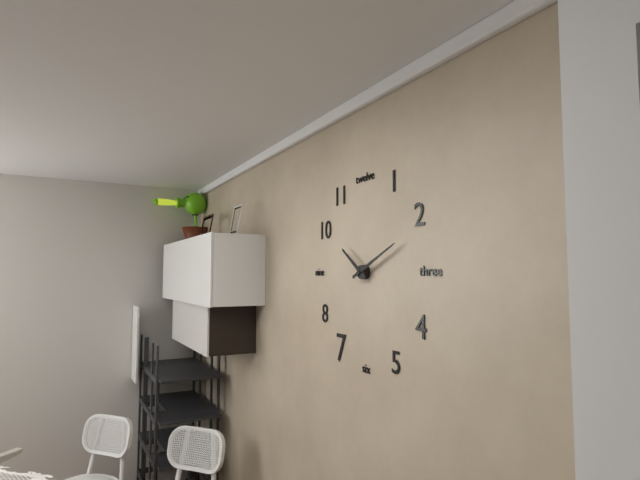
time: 10:11
